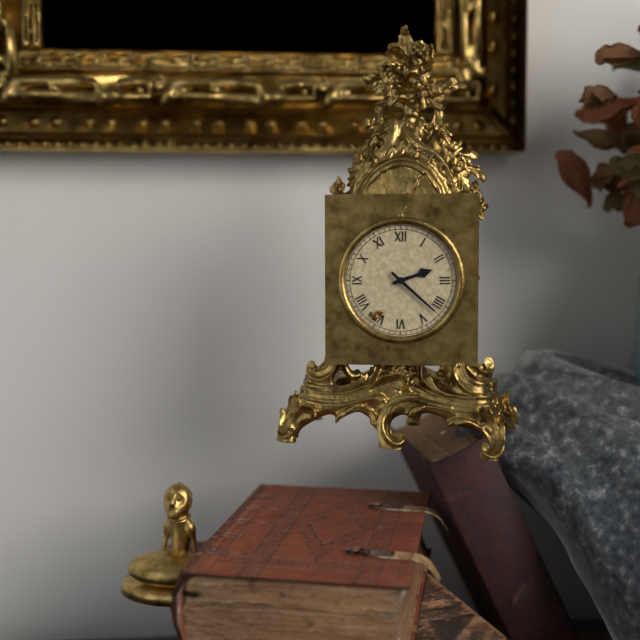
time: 2:22
